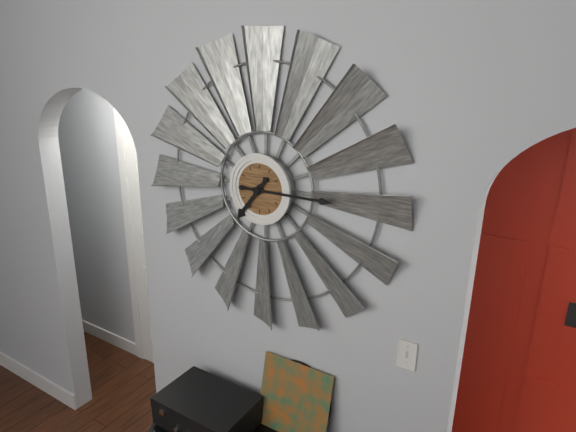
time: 7:15
